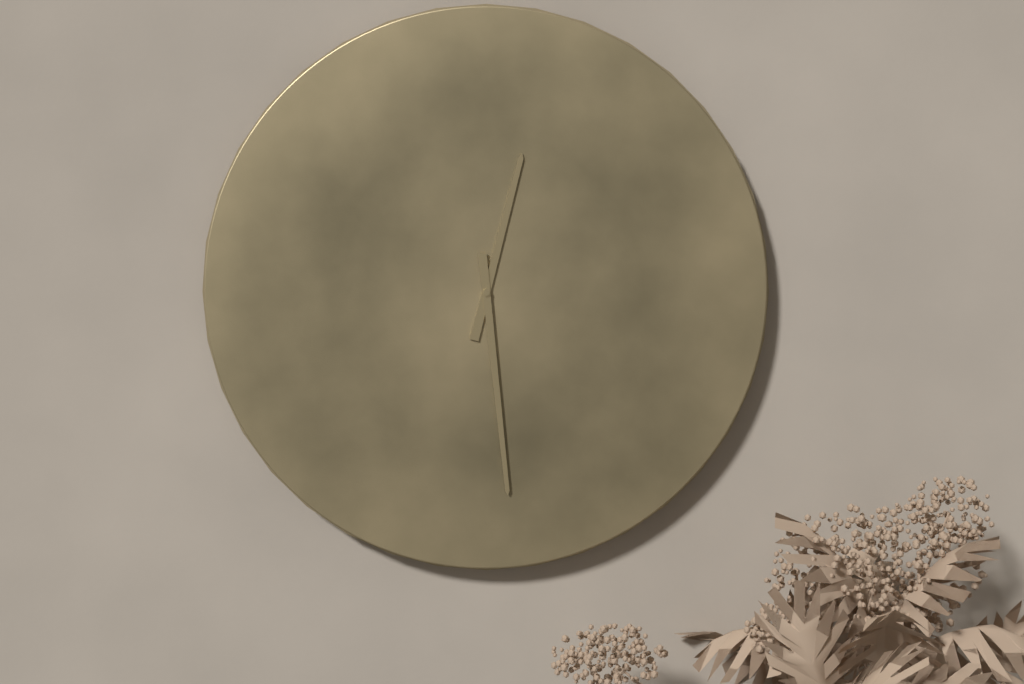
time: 12:29
